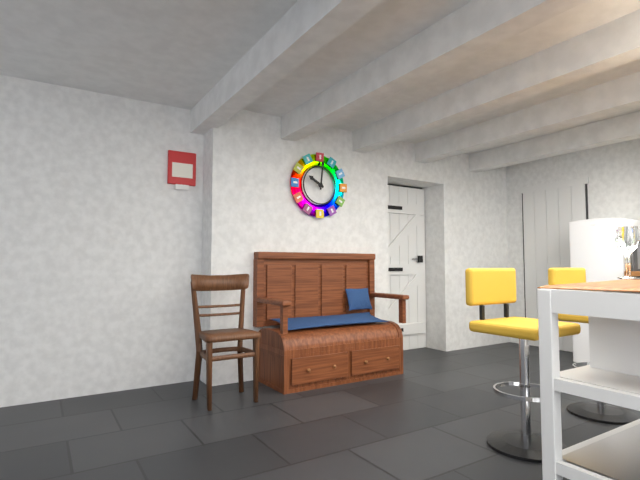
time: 10:01
